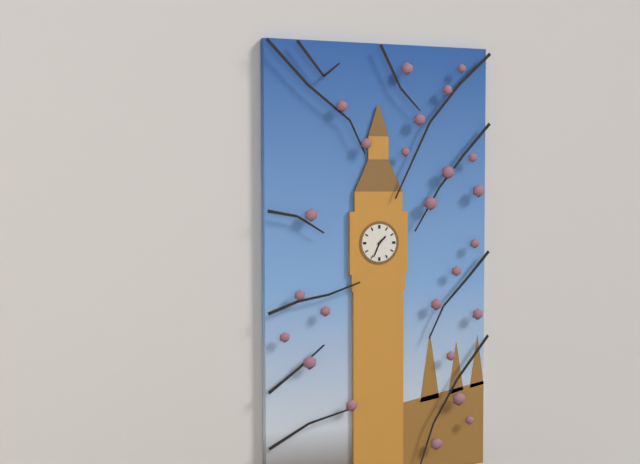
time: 1:34
